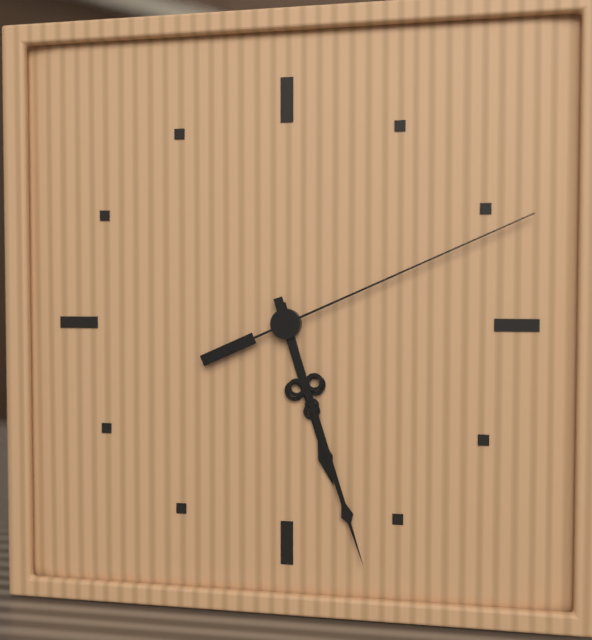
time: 5:27:11
